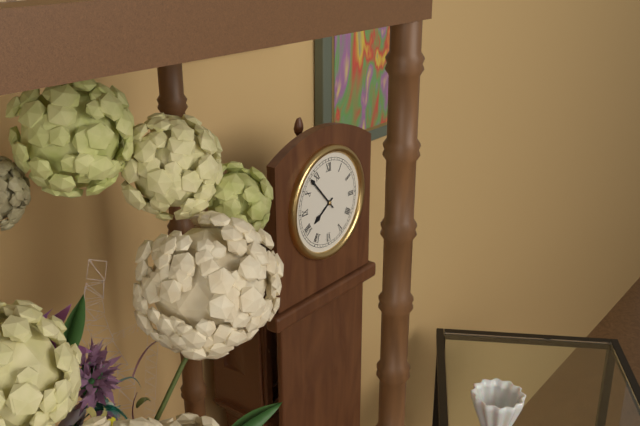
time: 7:53
